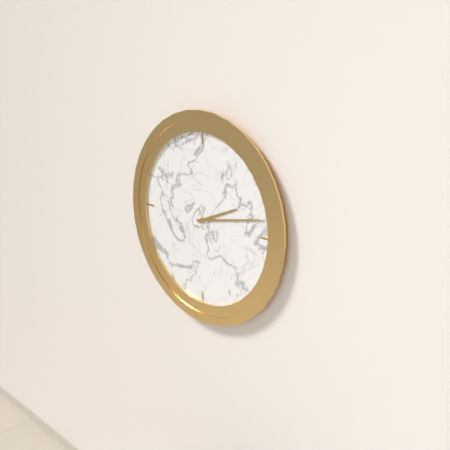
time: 2:13
